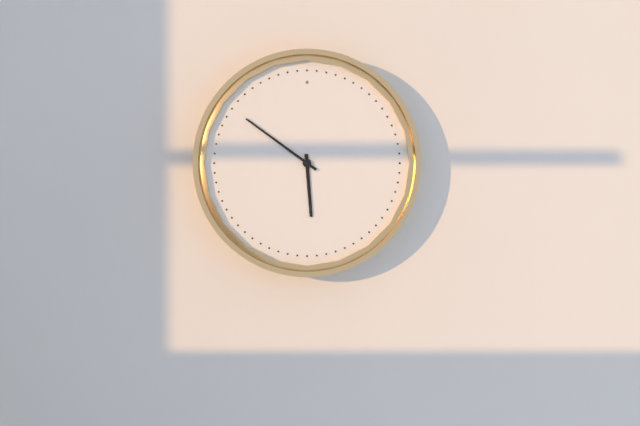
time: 5:51
